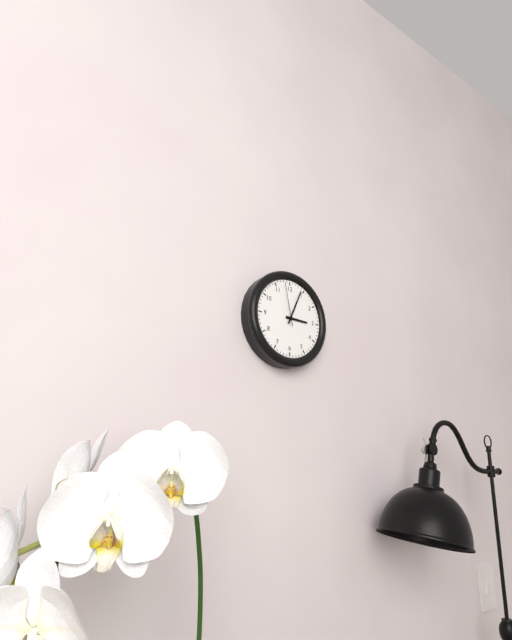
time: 3:04
